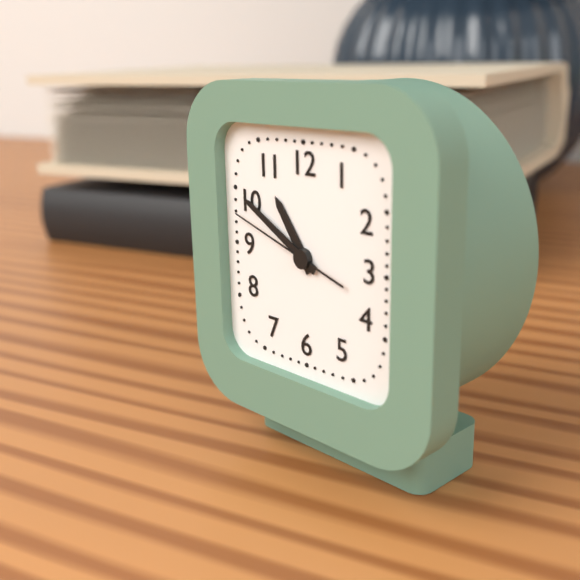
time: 10:50:48
